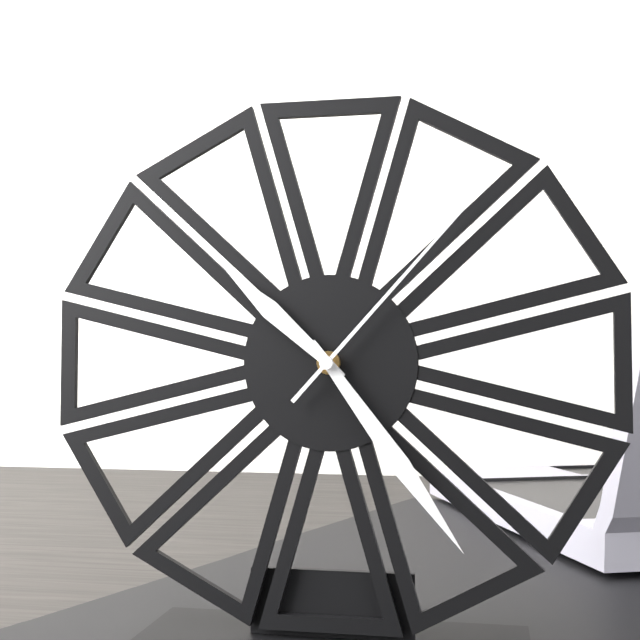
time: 10:24:07
